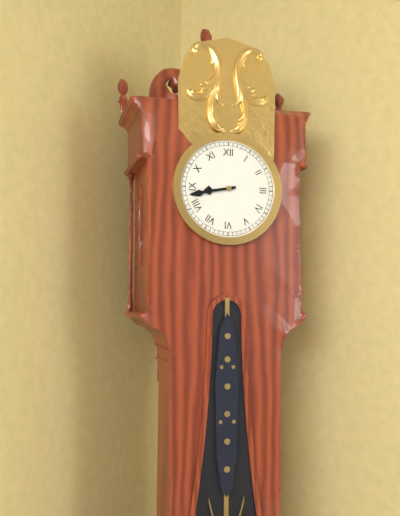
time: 8:43
